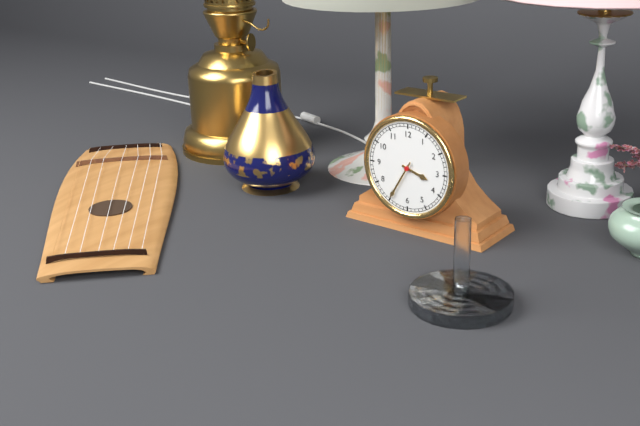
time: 3:35
